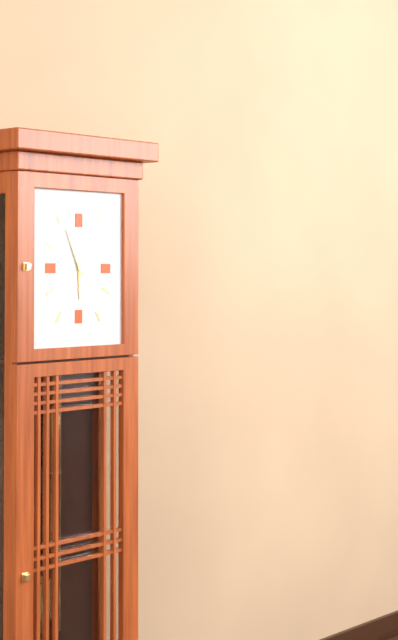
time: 5:56
